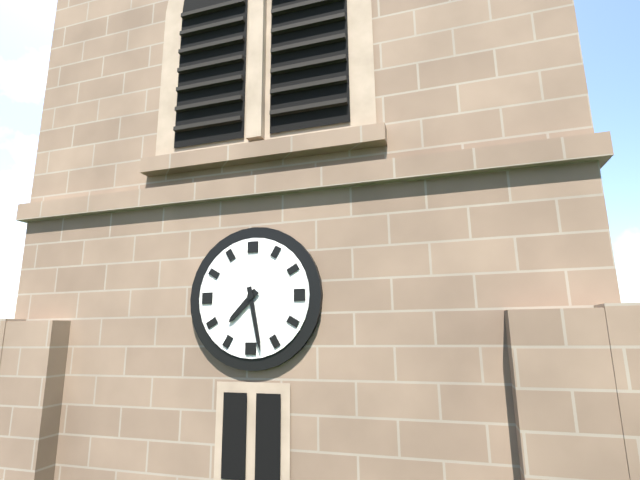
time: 7:28
